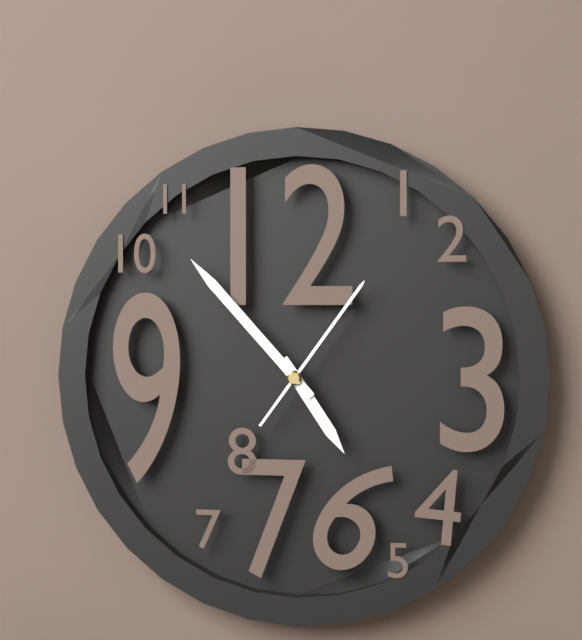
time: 4:53:06
